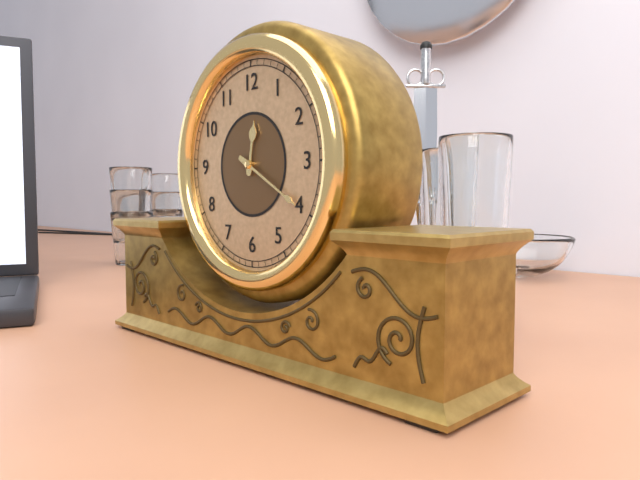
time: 12:20
